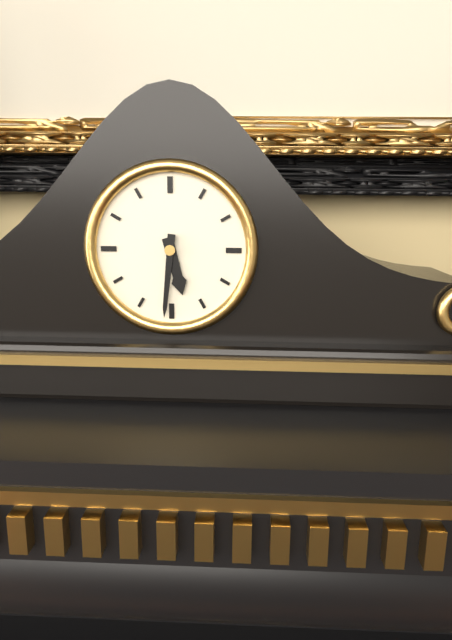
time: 5:31
